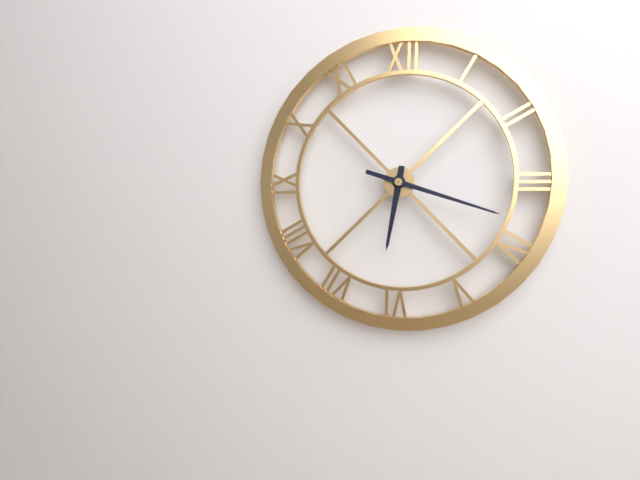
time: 6:18
